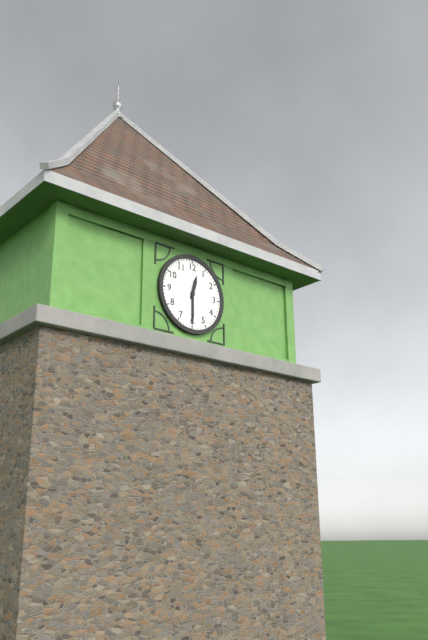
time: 12:30
